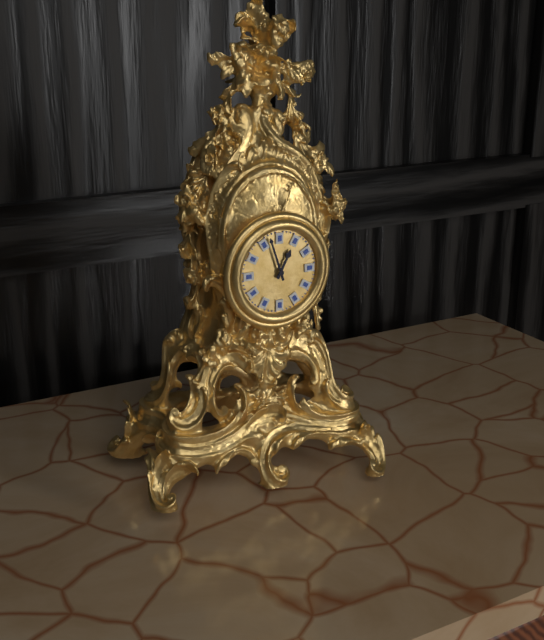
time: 12:57
